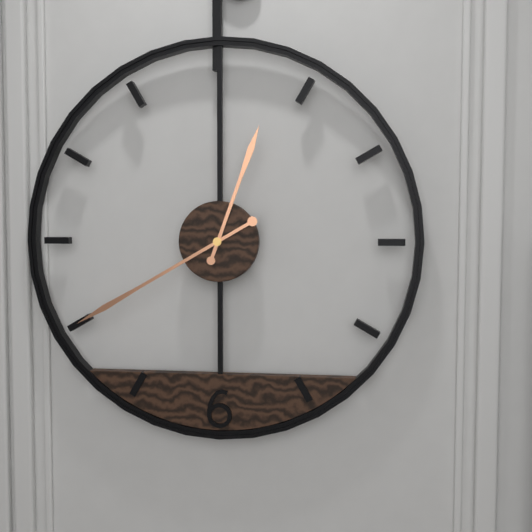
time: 12:40
